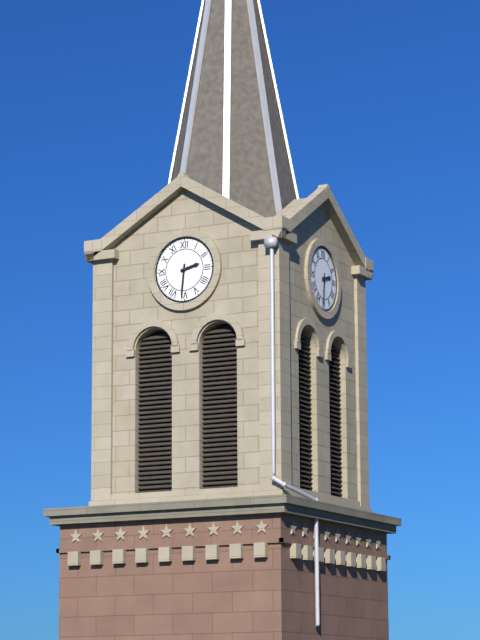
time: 2:31
